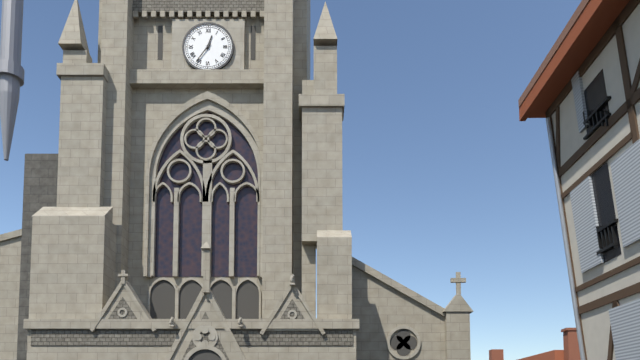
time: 12:36
